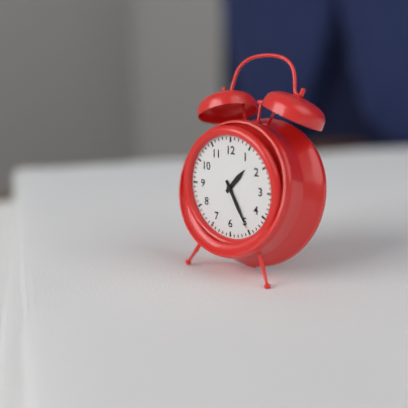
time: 1:25
